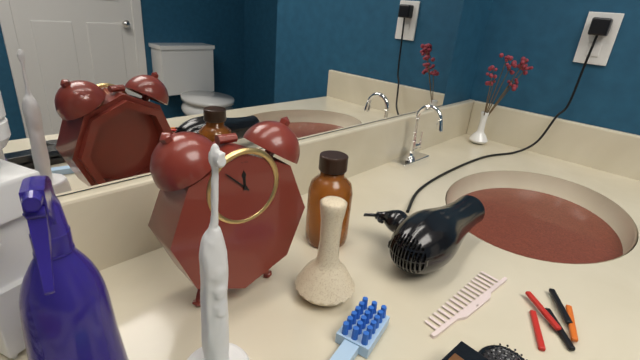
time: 11:52
